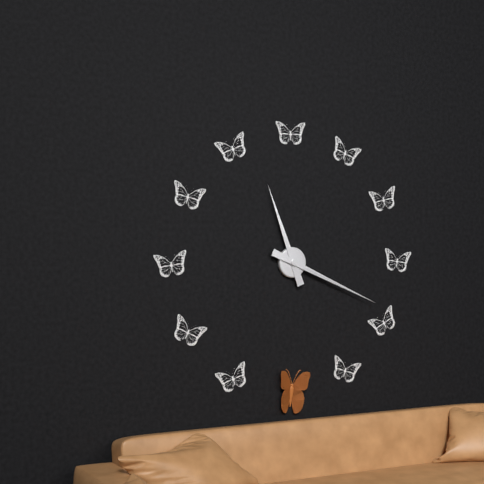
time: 11:19
